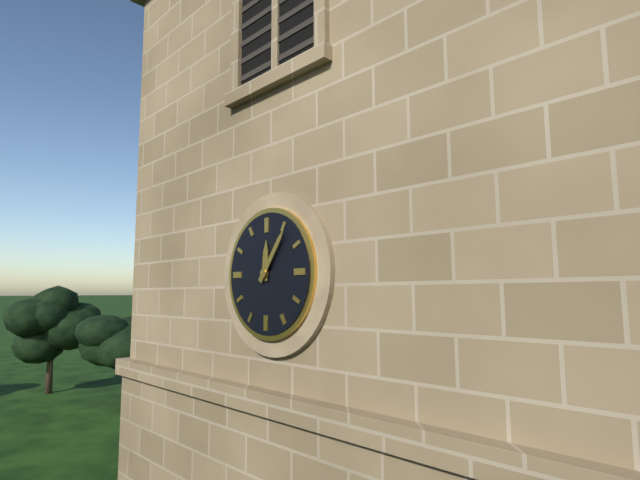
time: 12:06
